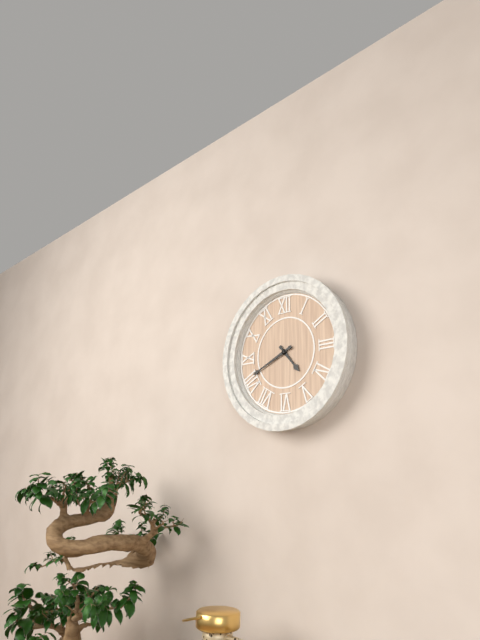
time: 4:41
